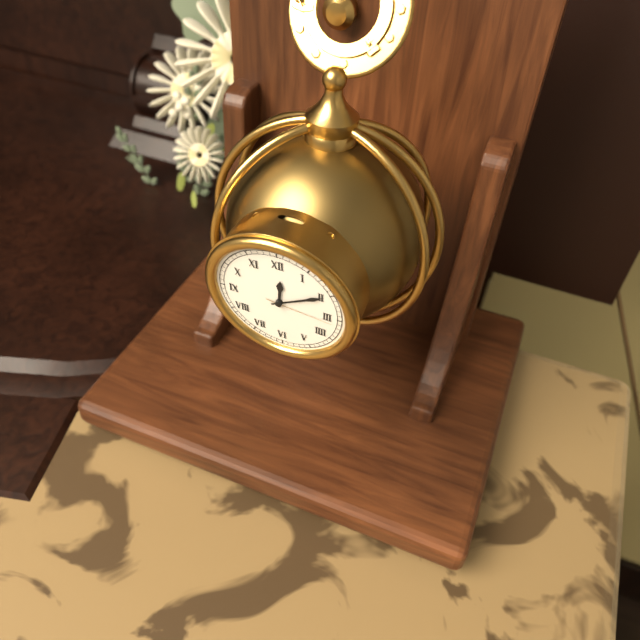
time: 12:10:16
